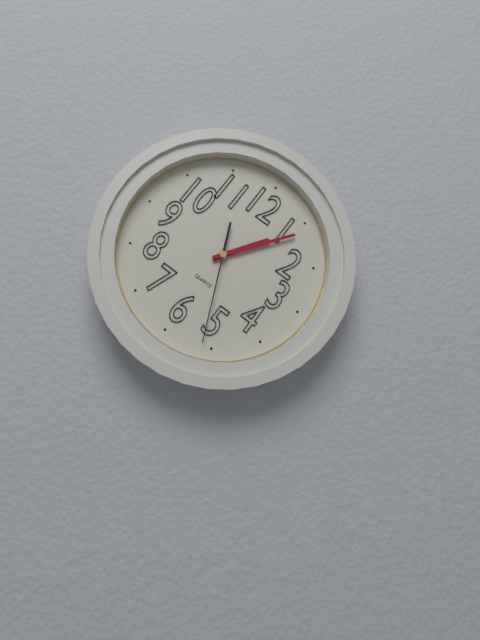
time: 1:06:26
